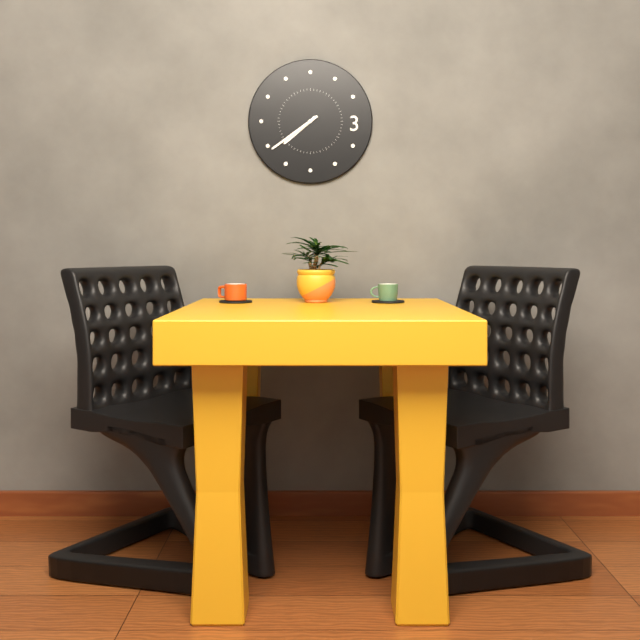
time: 7:39
